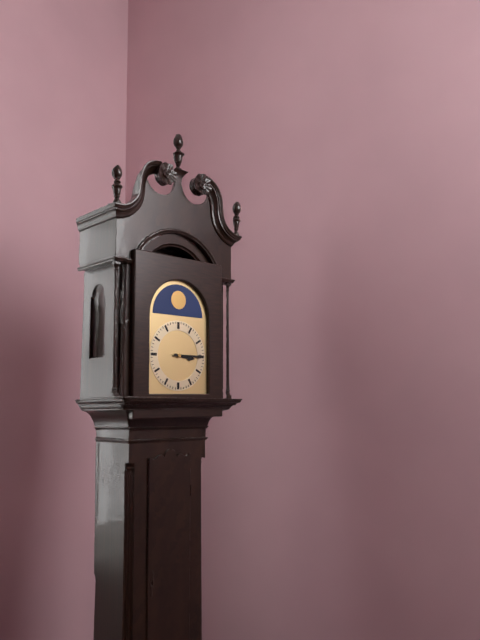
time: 3:15
